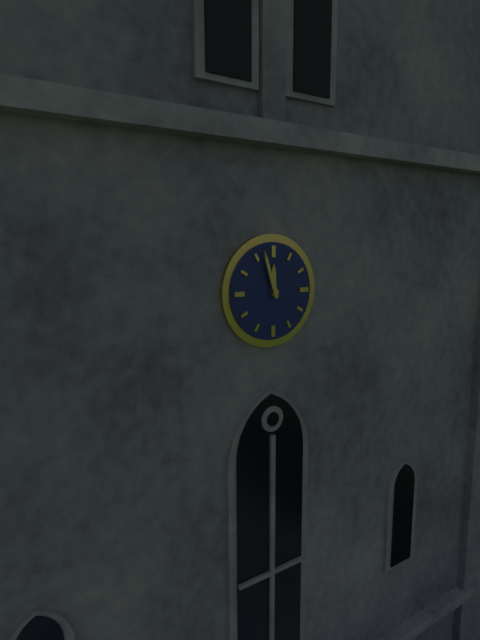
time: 11:57
